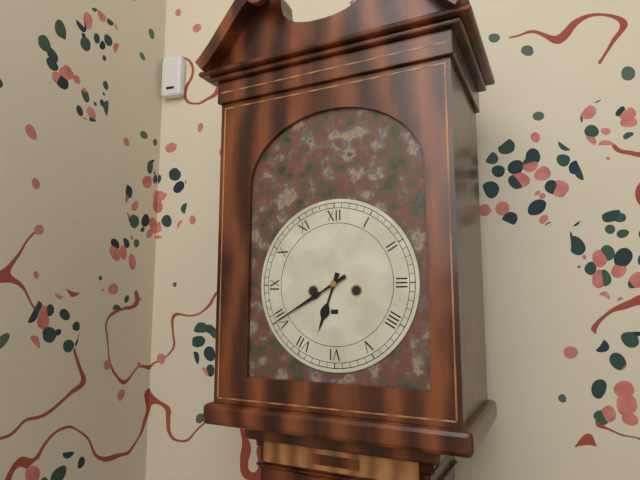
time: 6:40
